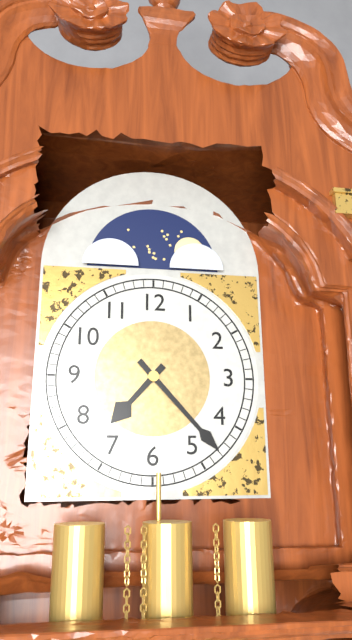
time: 7:23
